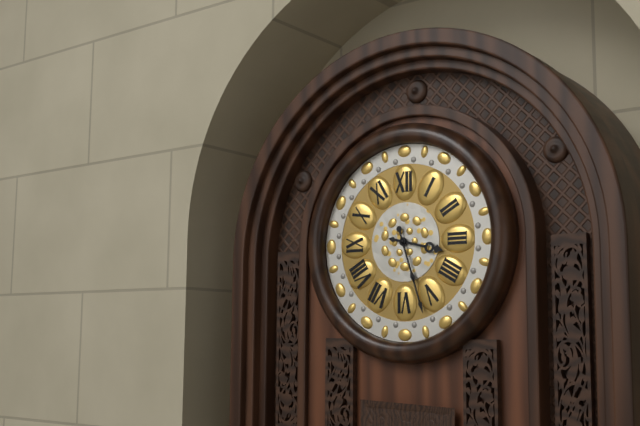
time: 3:27
